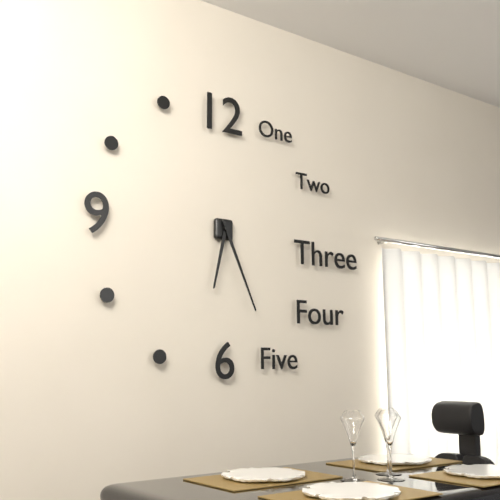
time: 6:26
